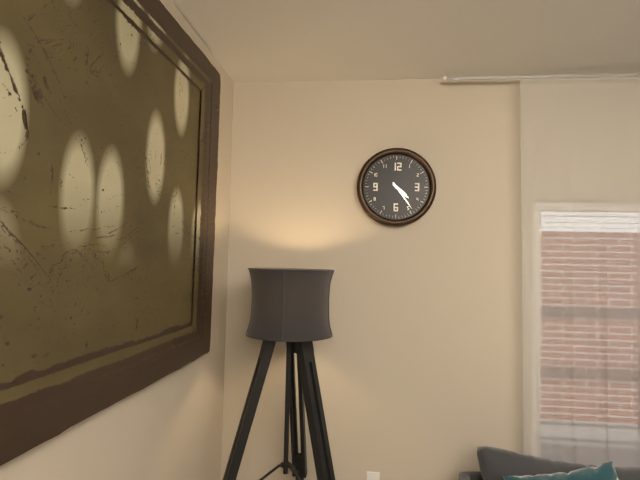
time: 4:24
